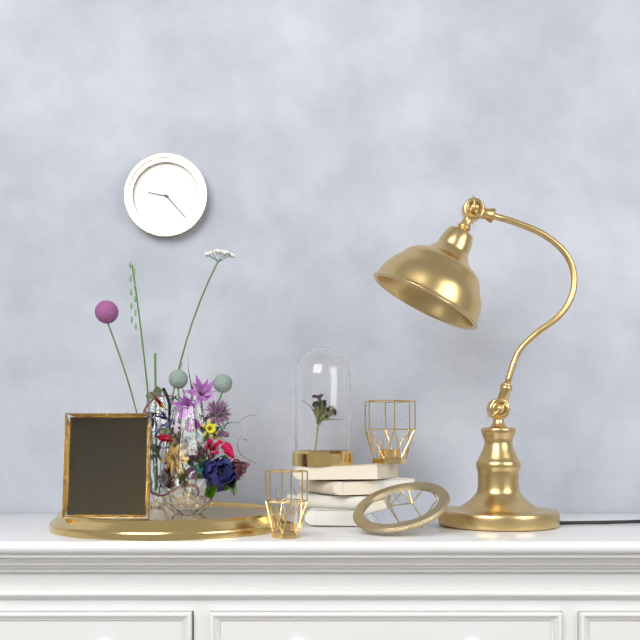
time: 9:23
